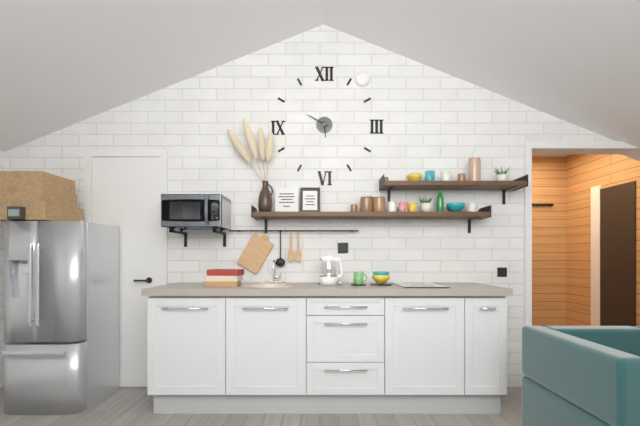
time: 5:50
